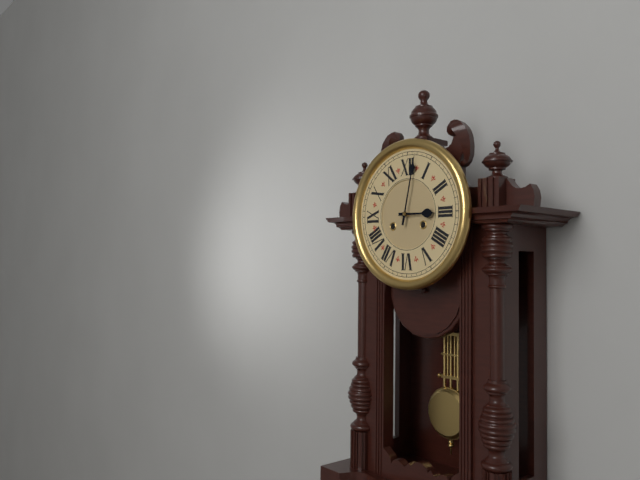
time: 3:02
